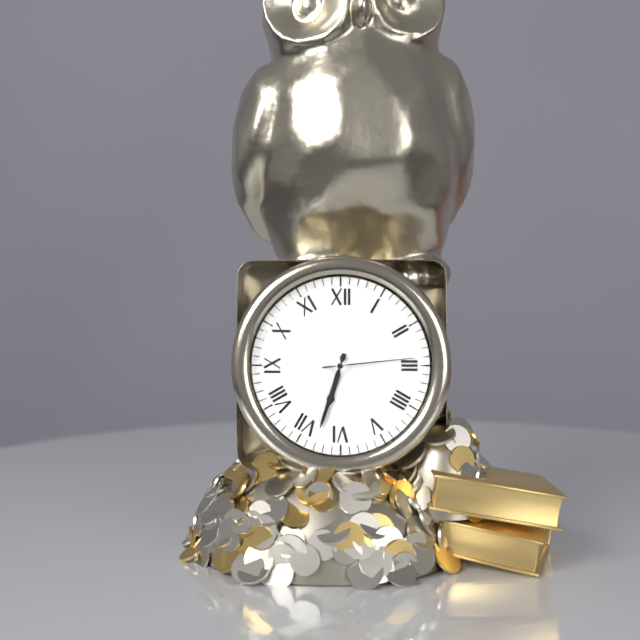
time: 6:33:14
